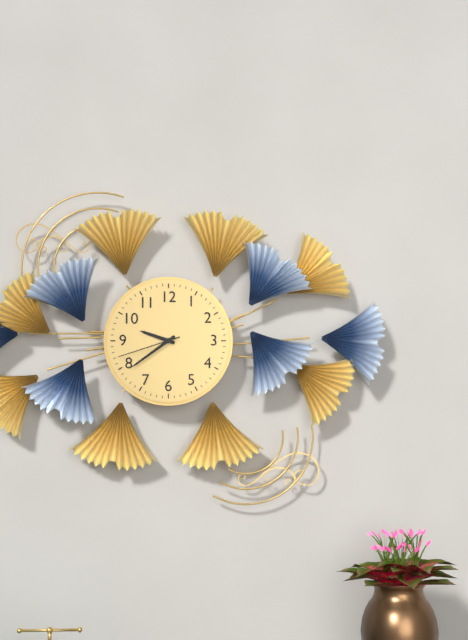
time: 9:39:42
